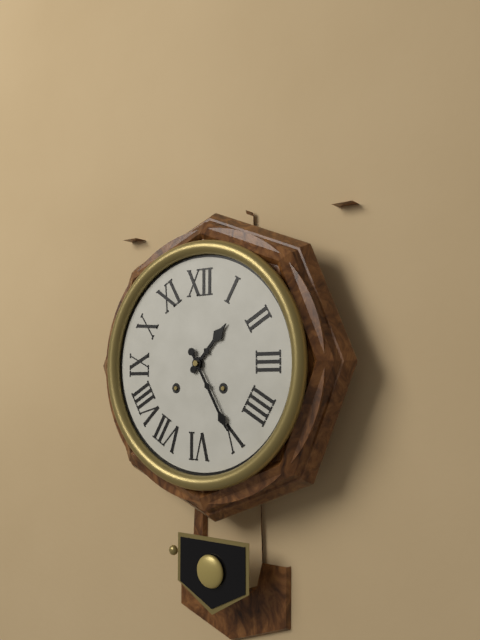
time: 1:25
